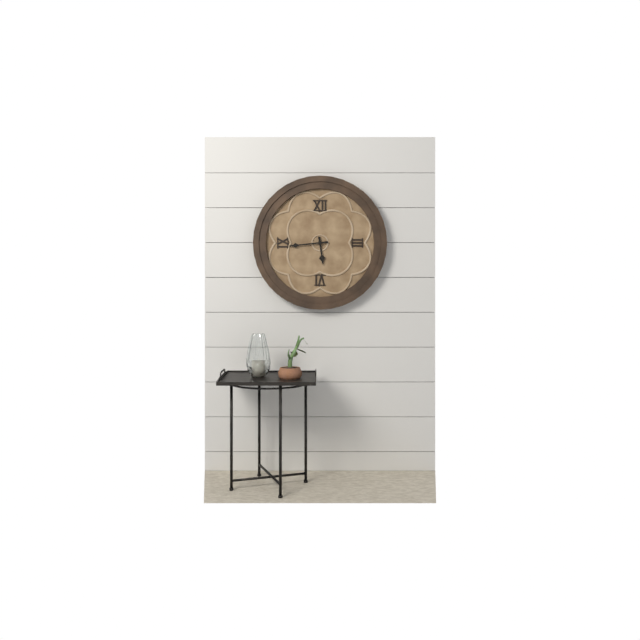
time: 5:44
